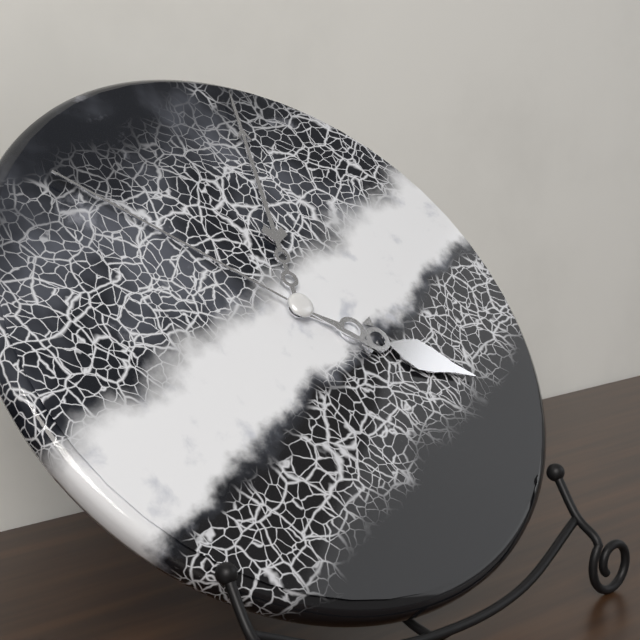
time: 4:02:52
